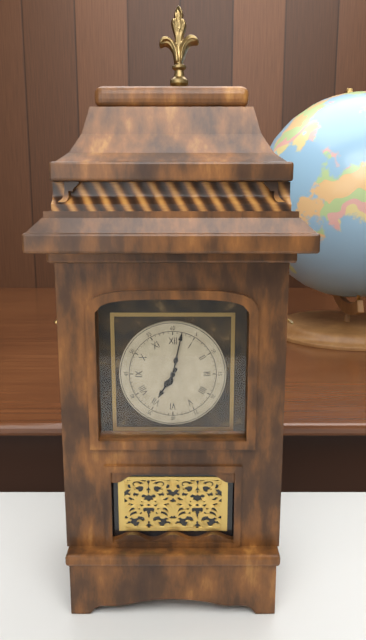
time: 7:02
